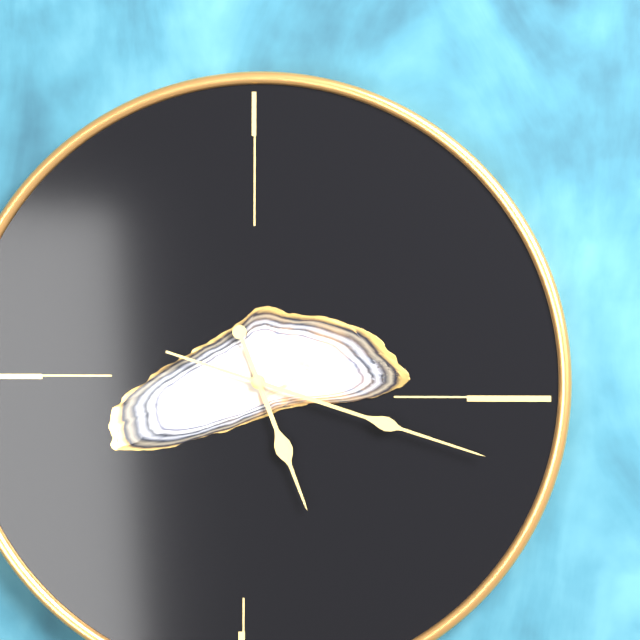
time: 5:18
